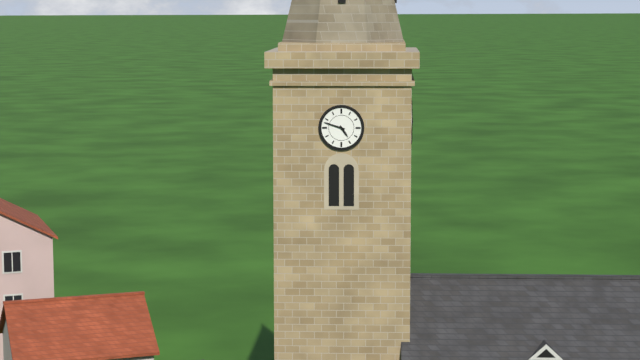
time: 4:48
